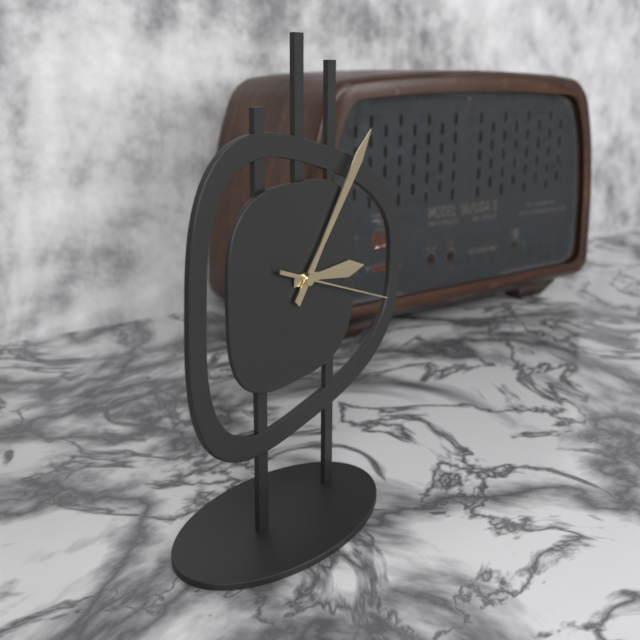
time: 3:07:18
